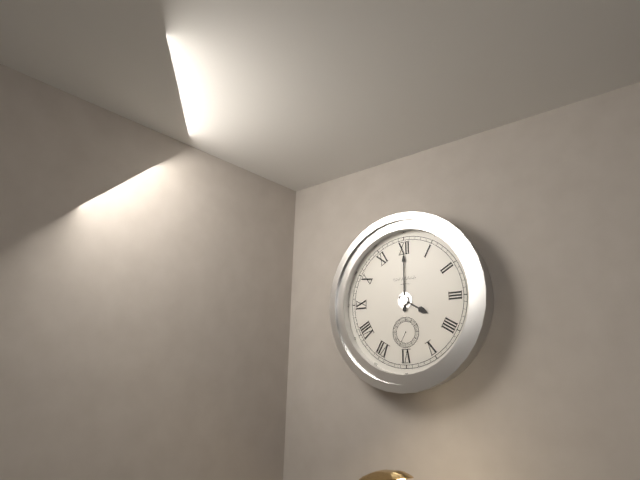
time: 4:00
